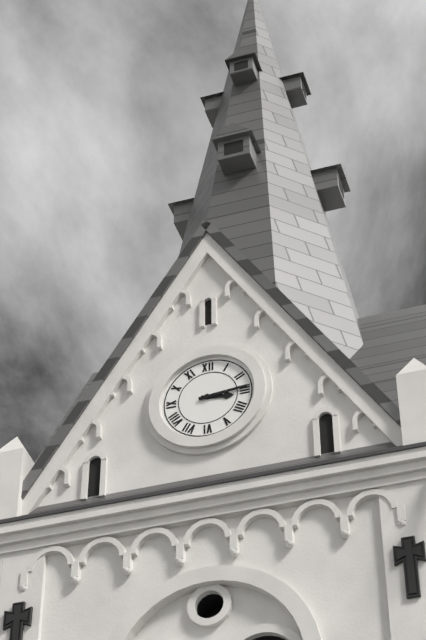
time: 3:14
